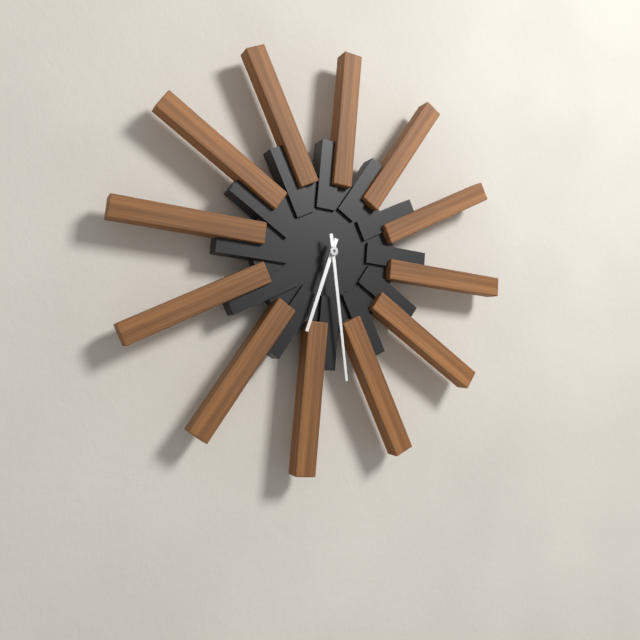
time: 6:28
